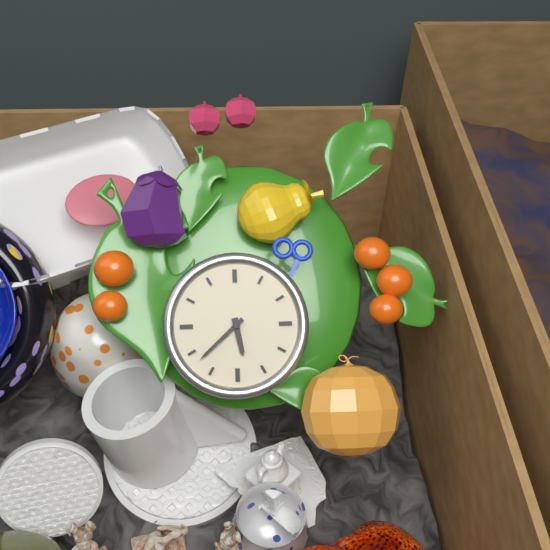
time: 5:38
